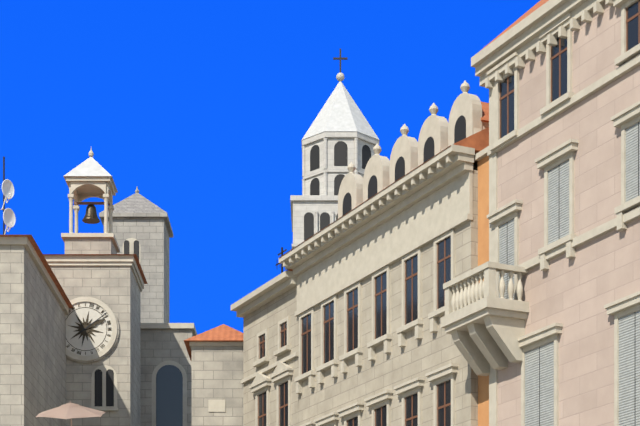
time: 2:09
